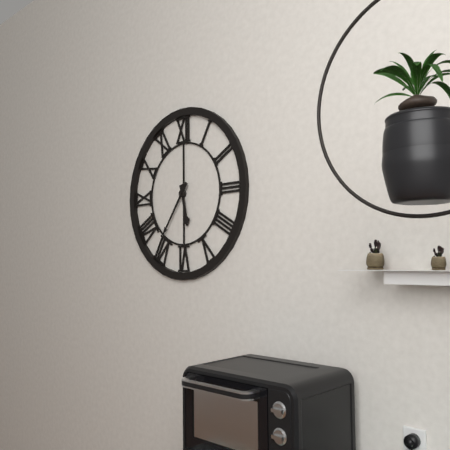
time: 5:36
